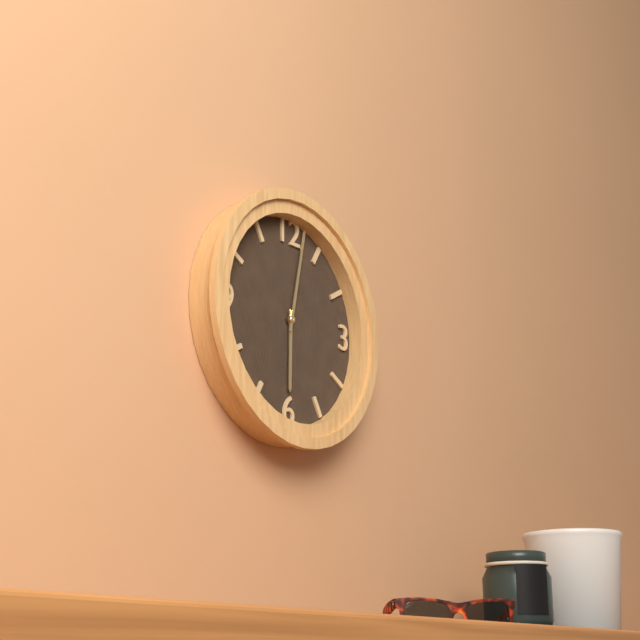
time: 6:02
